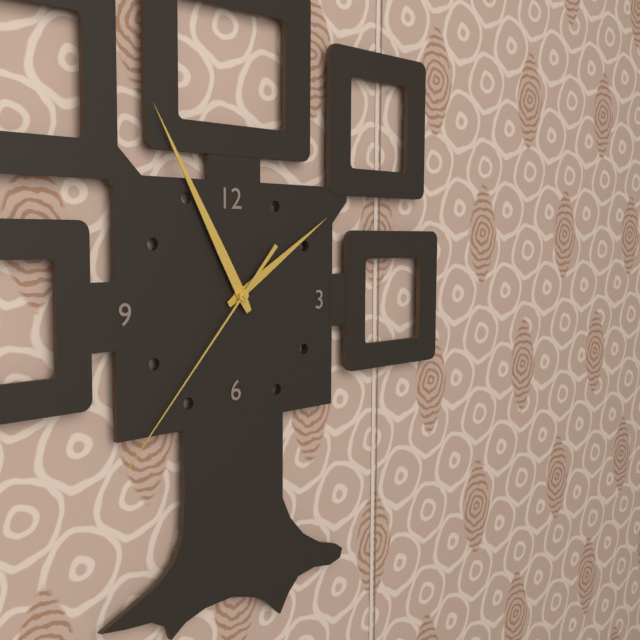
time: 1:55:37
